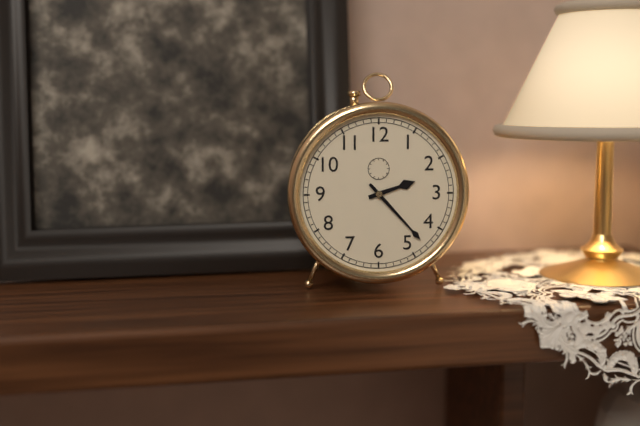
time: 2:23
